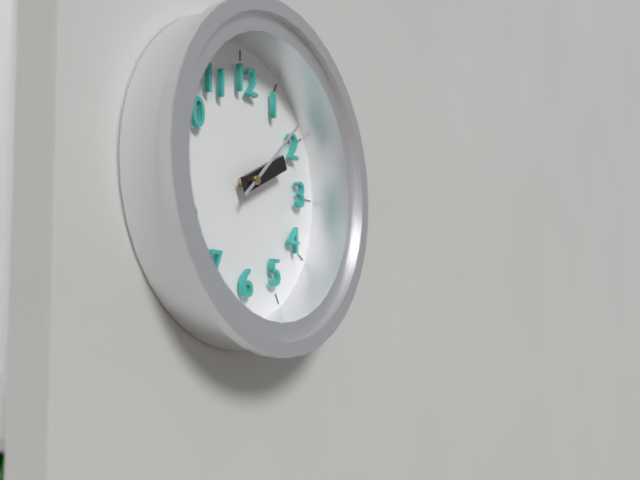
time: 2:08
